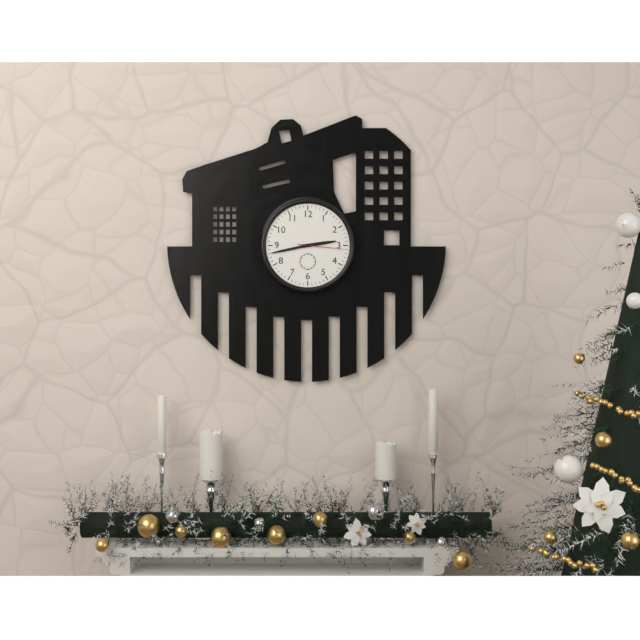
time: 2:43
